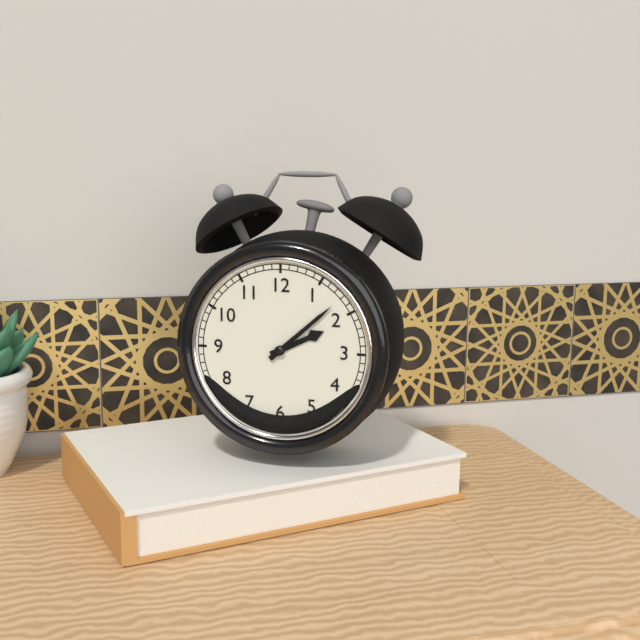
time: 2:08
